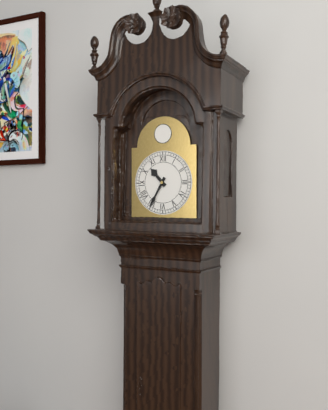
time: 10:35
